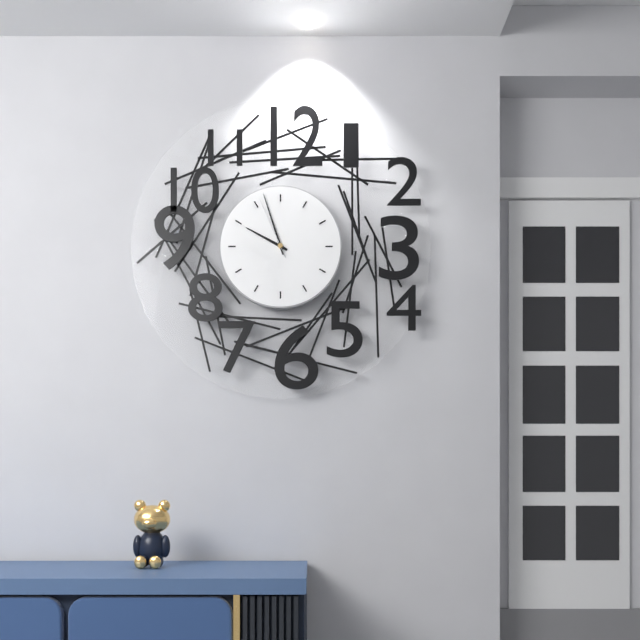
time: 9:57:56
